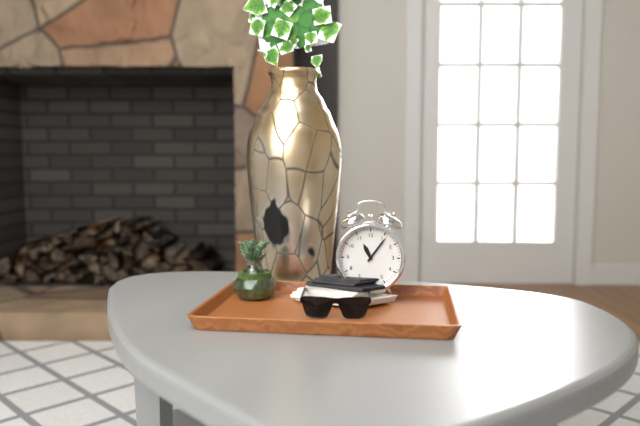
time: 11:06
